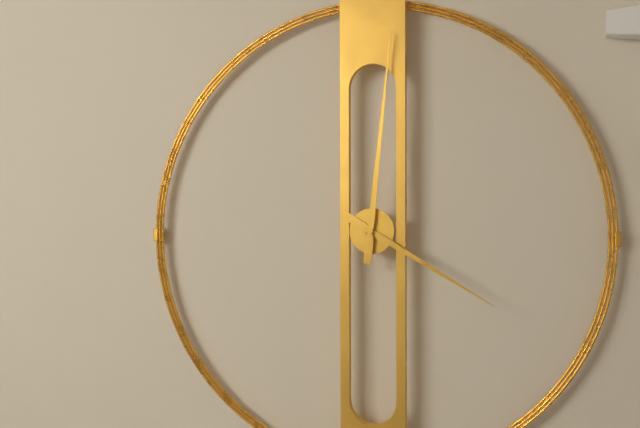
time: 4:01
